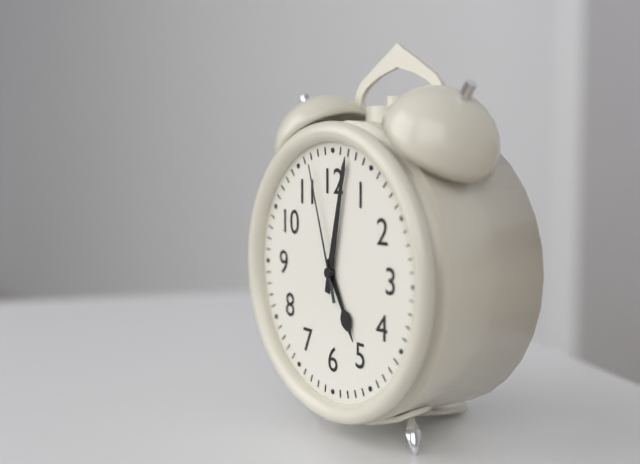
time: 5:02:57
